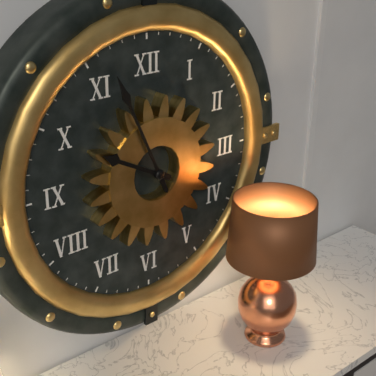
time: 9:56
